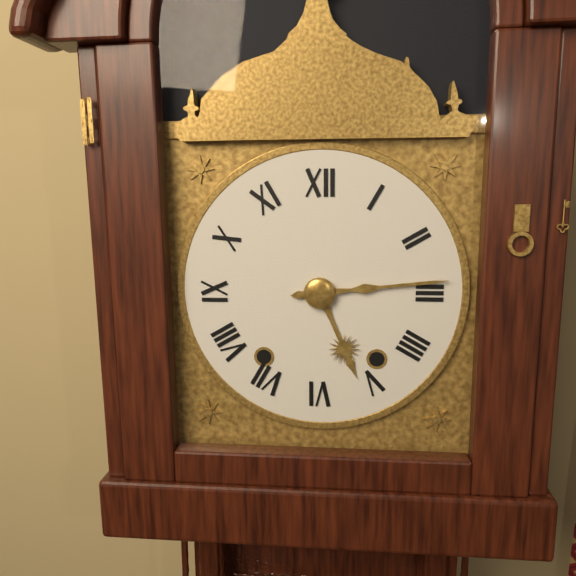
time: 5:14
